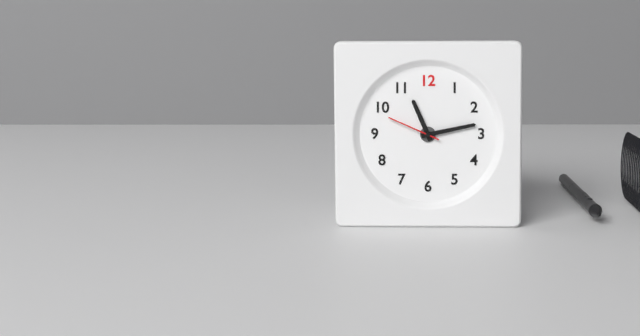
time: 11:13:49
